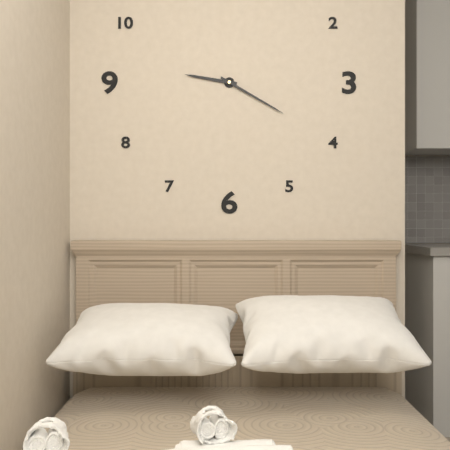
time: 9:20
